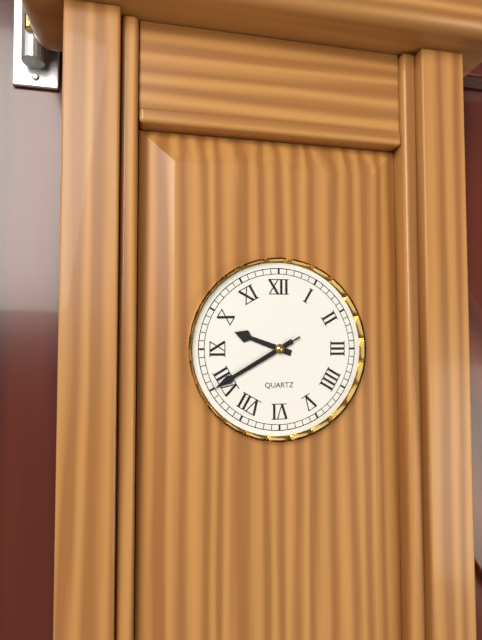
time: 9:40:40
